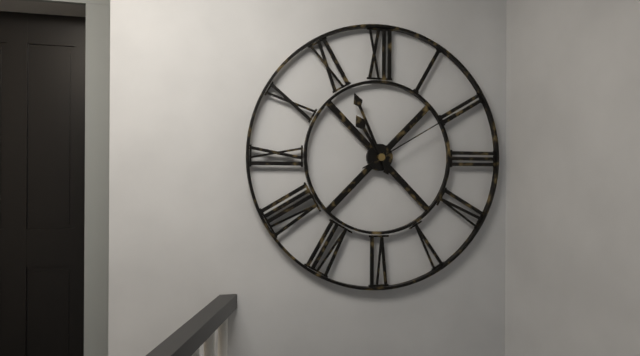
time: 10:56:10
